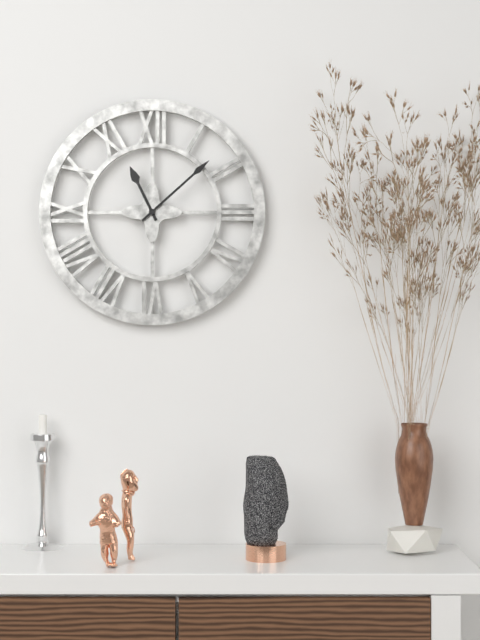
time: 11:08
